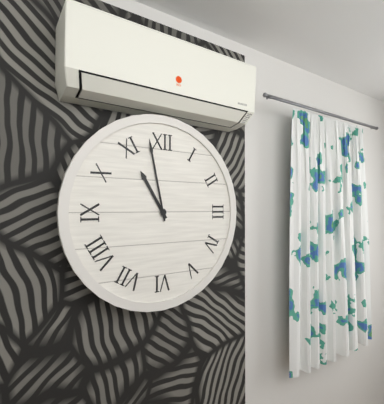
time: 10:58
